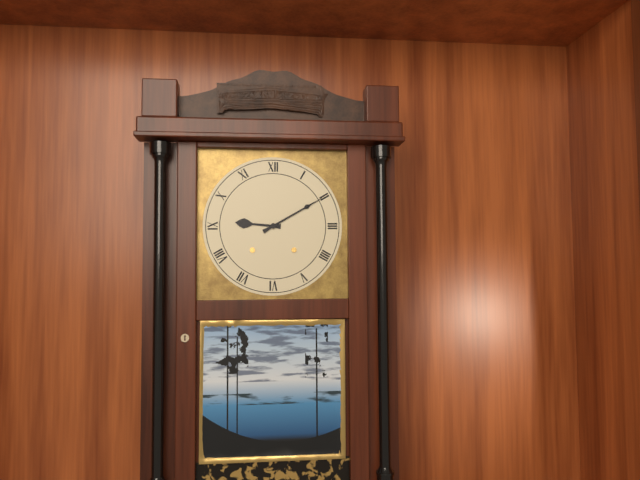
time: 9:10
